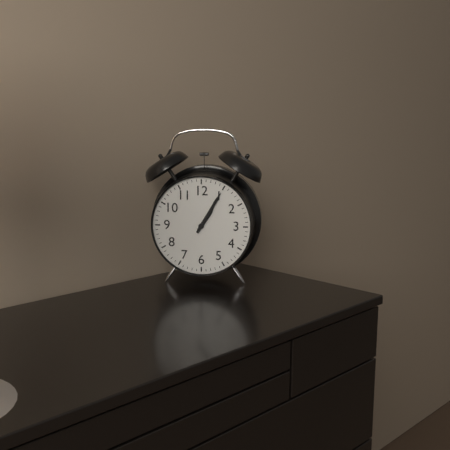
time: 1:05
